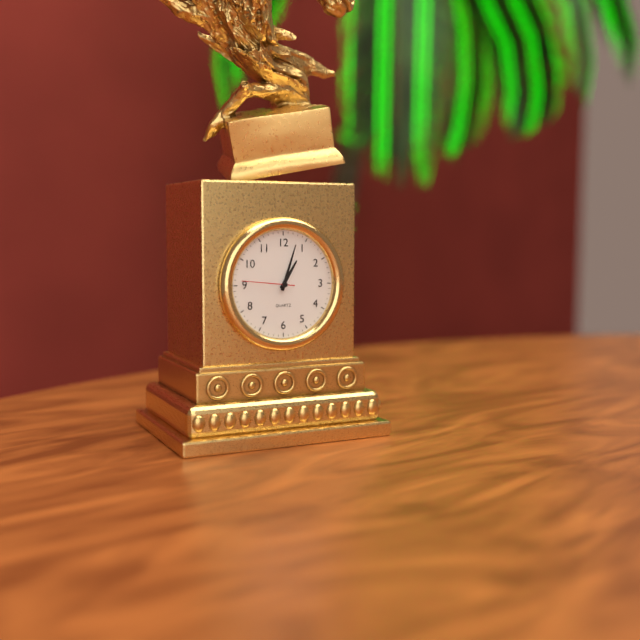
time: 1:03:46
